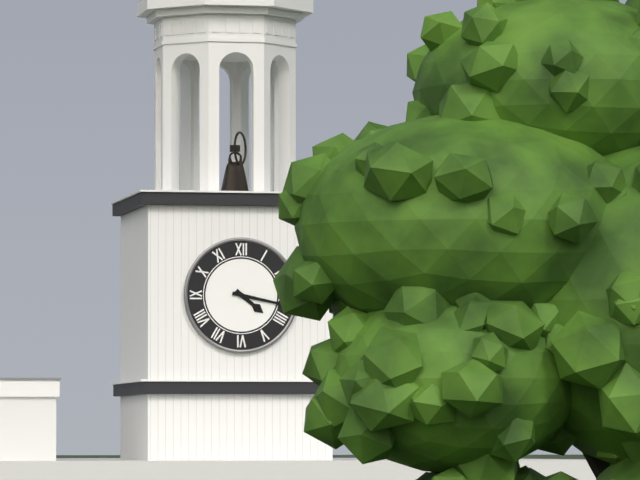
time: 4:17
